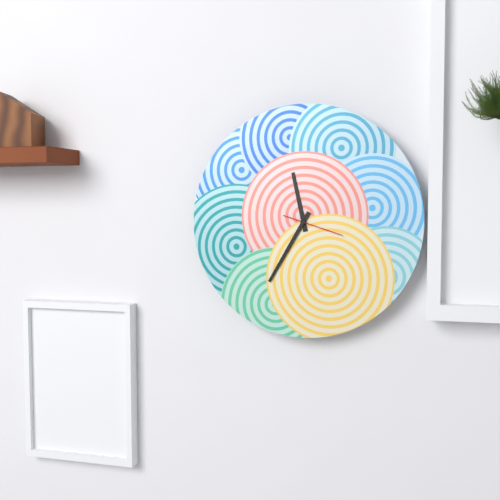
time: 11:35:18
